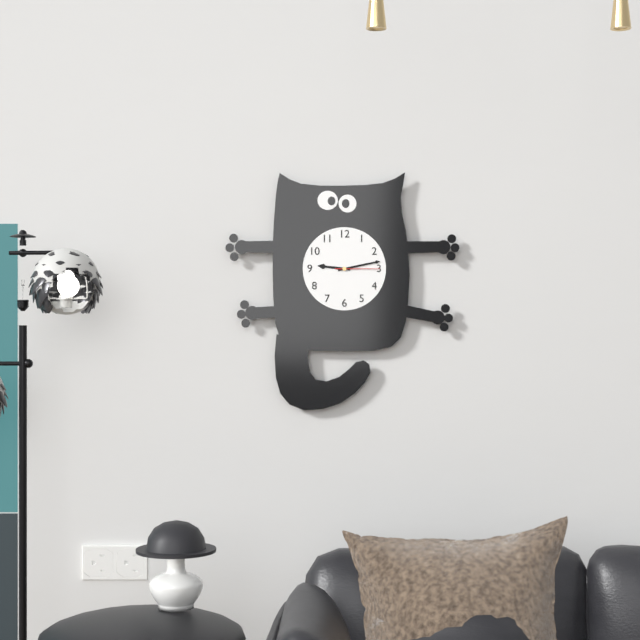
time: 9:13
